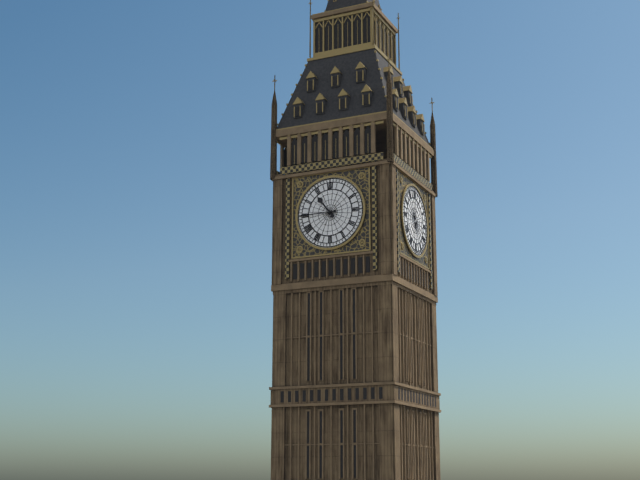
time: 10:45
